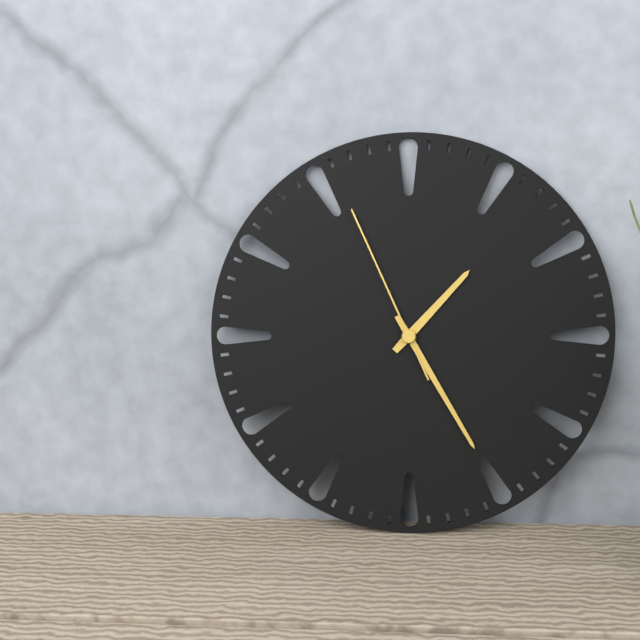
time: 1:25:56
